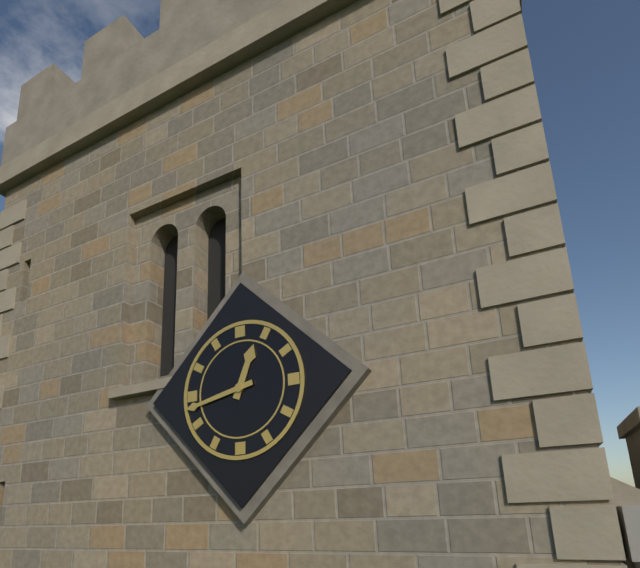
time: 12:43
